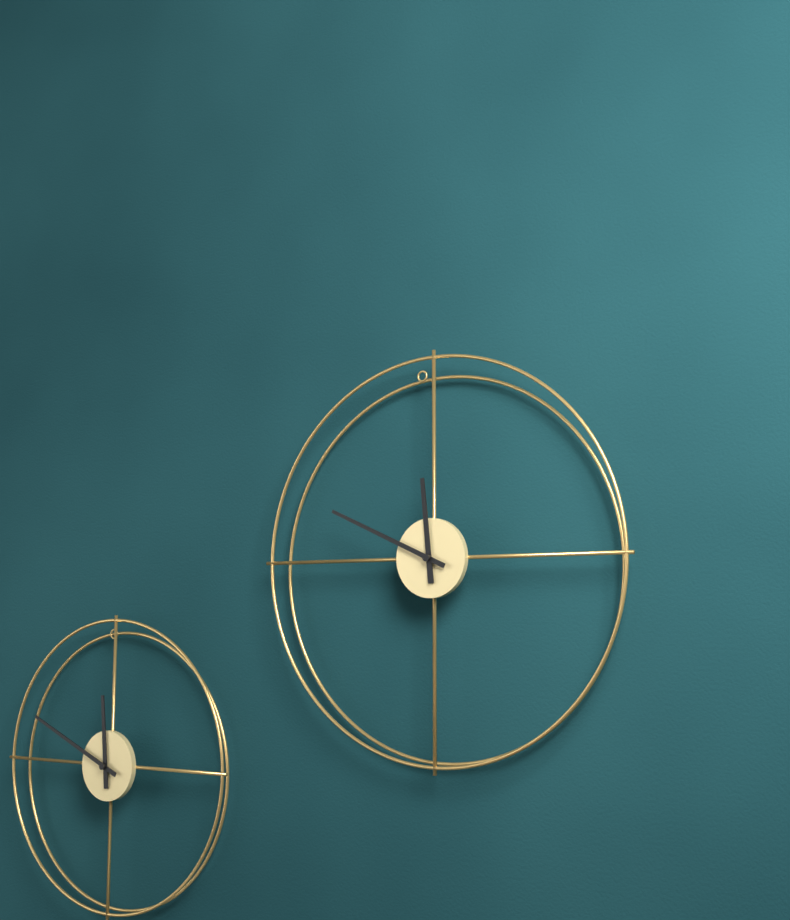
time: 11:49
